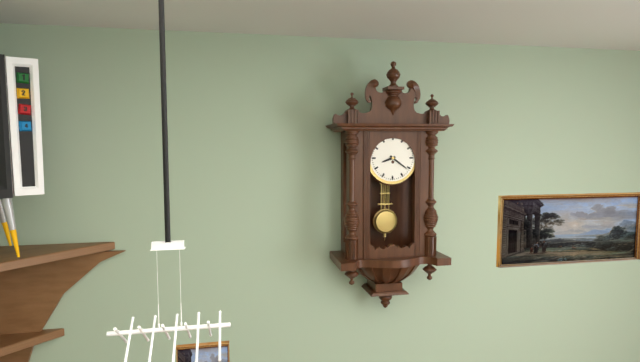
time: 8:21
